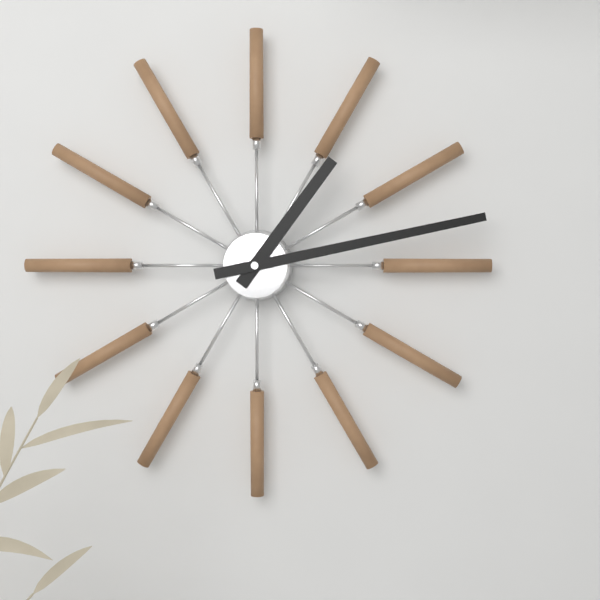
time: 1:13
